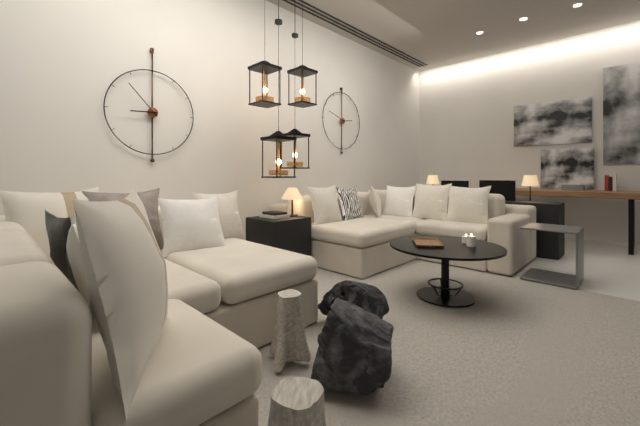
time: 8:53
